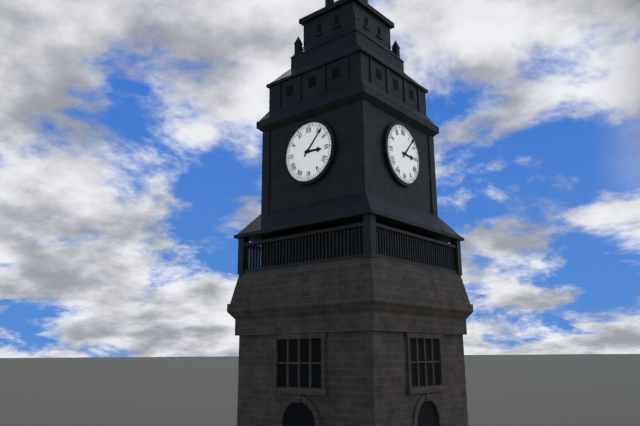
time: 3:07
